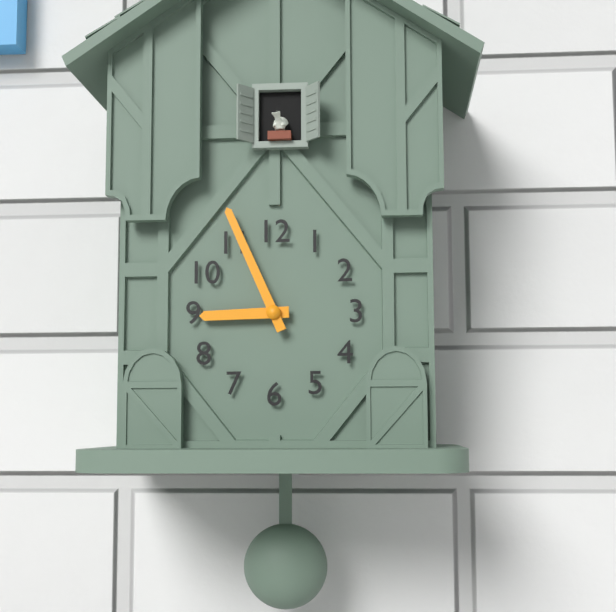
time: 8:56
